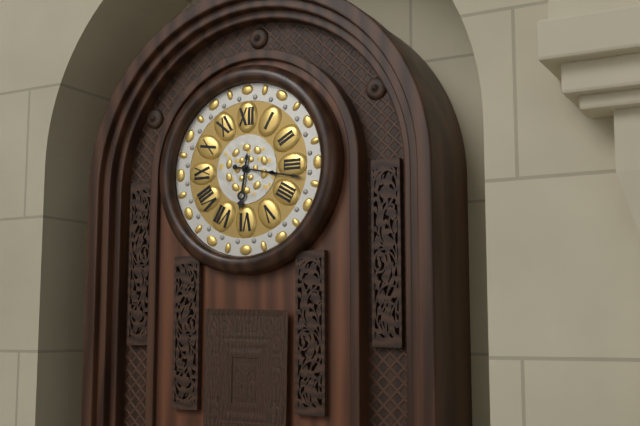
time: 6:17
